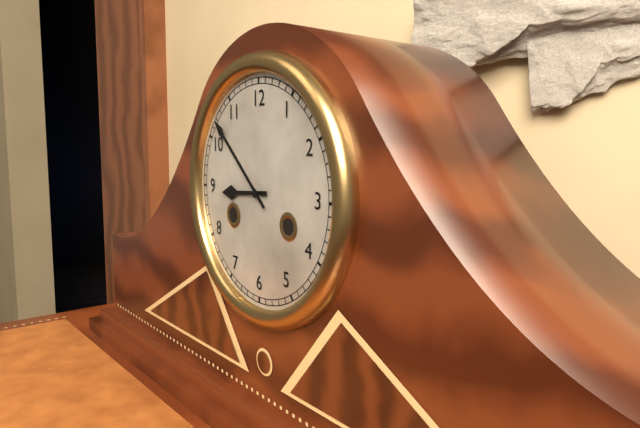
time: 8:52
